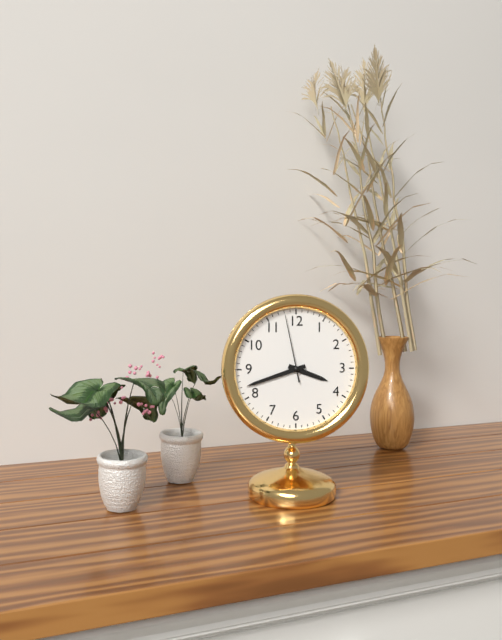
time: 3:42:58
